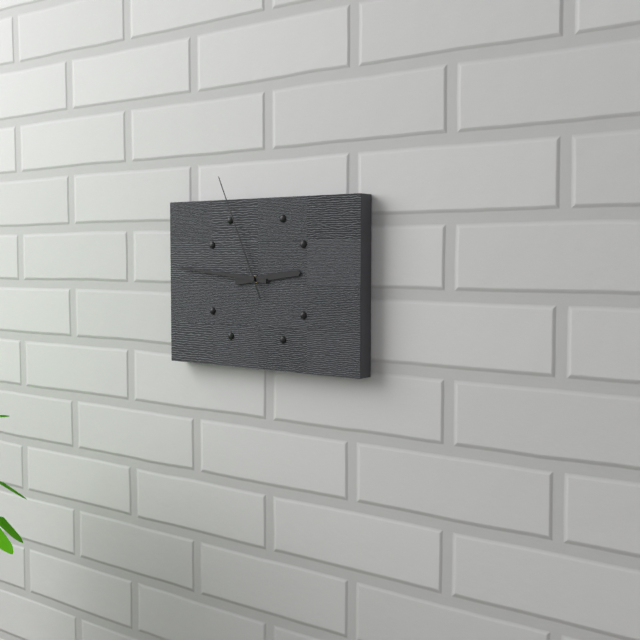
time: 2:46:56
